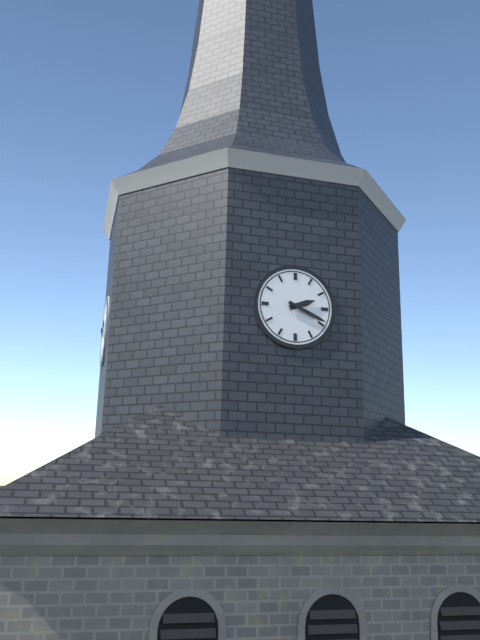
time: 2:19
